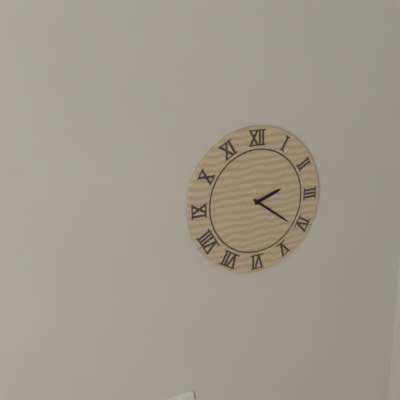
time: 2:21
